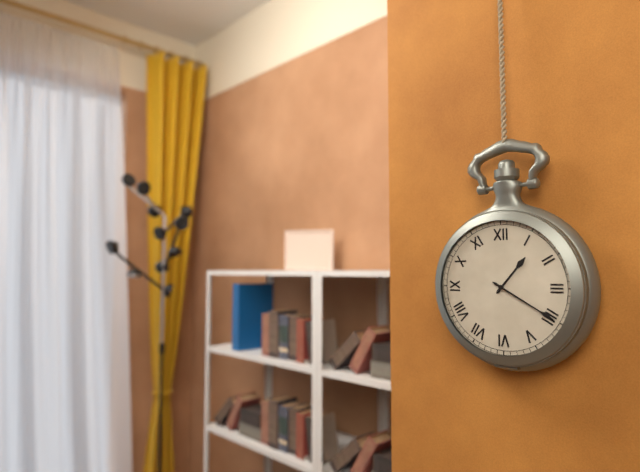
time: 1:20
